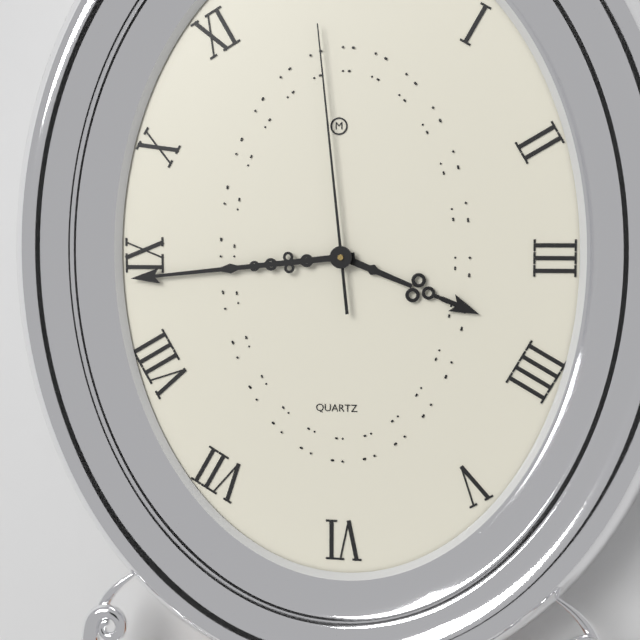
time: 3:44:59
